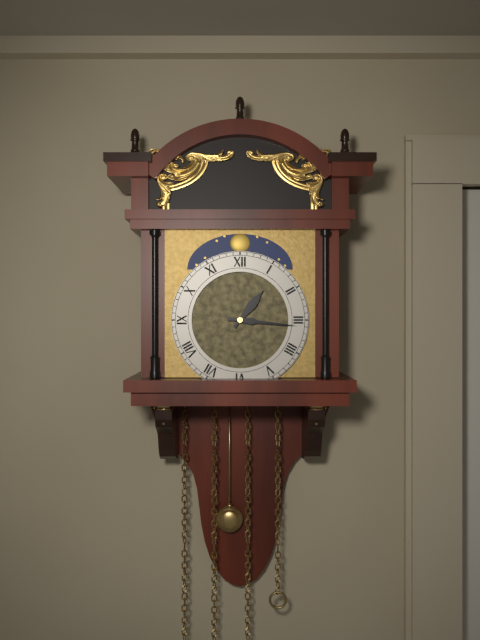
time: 1:16
